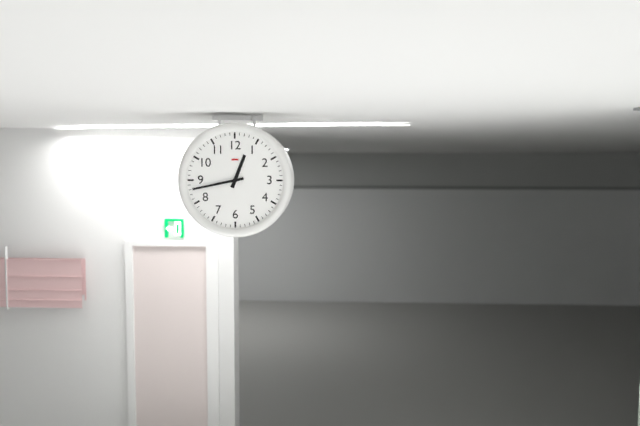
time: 12:43
